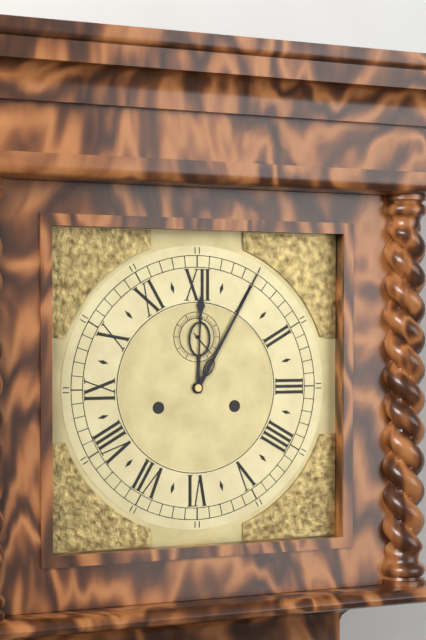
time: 12:05
